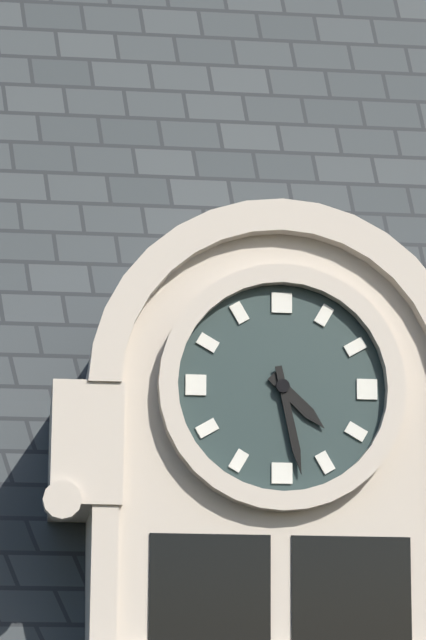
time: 4:28
